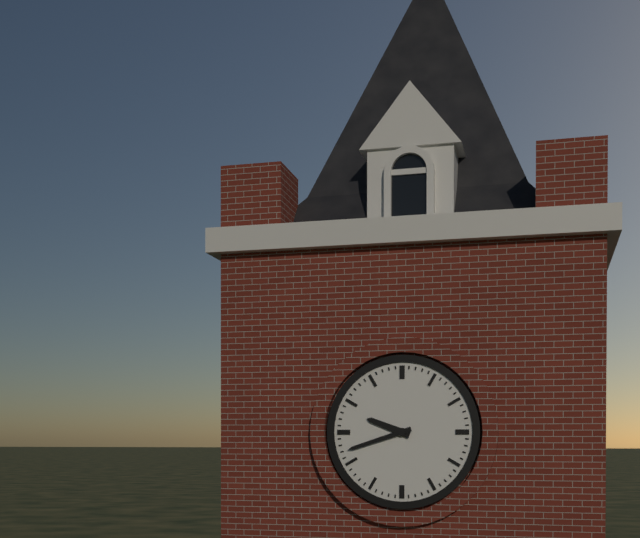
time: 9:42
